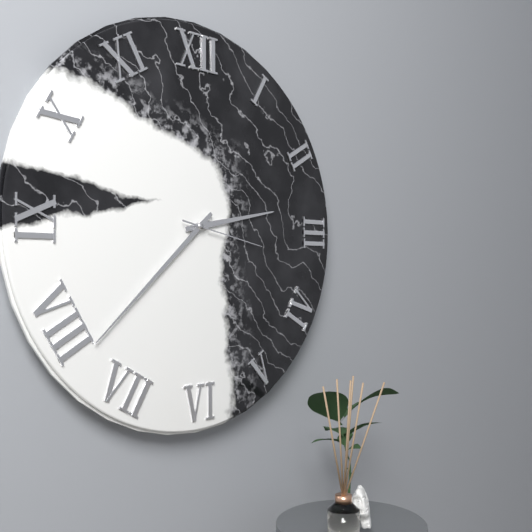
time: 2:38:17
